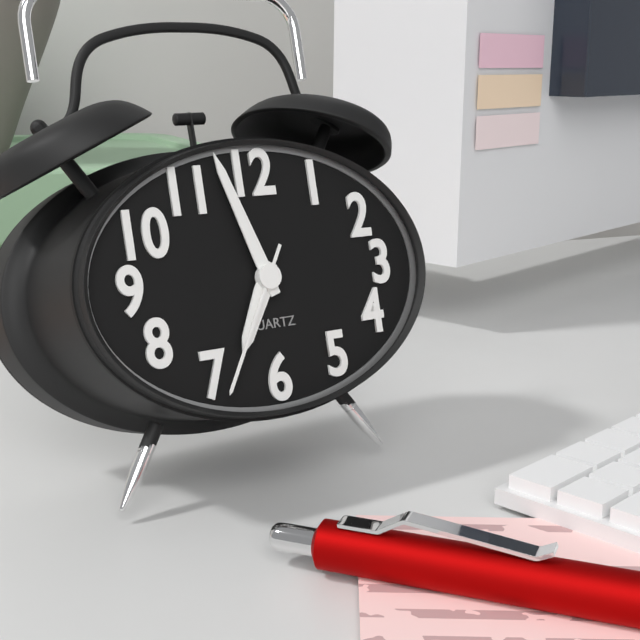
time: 6:57:35
